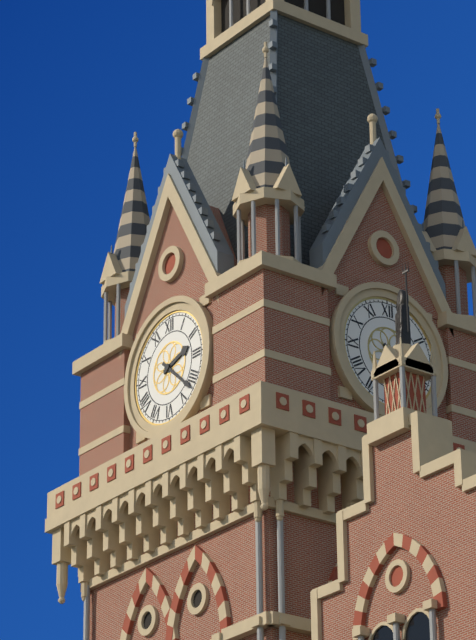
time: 2:22
